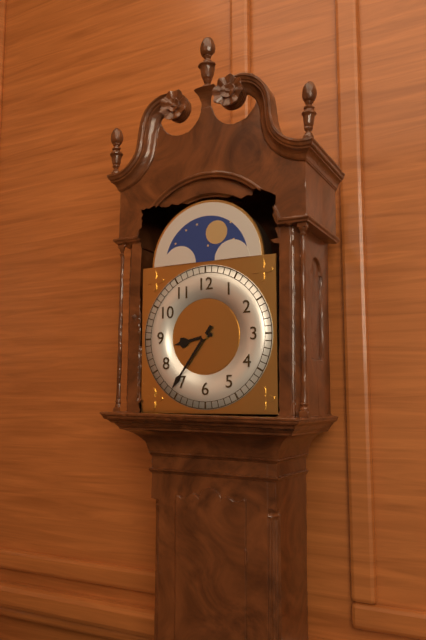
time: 8:36
